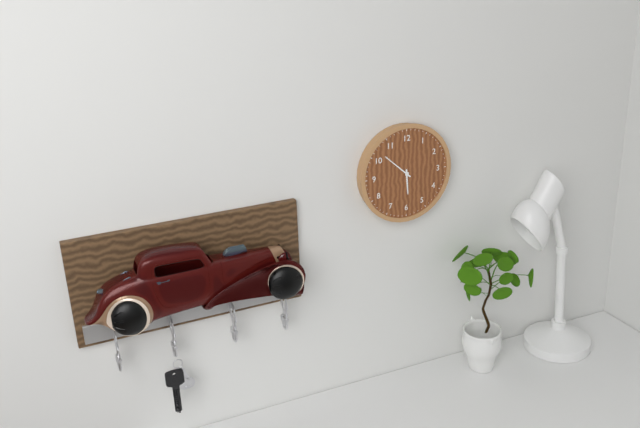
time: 5:52
